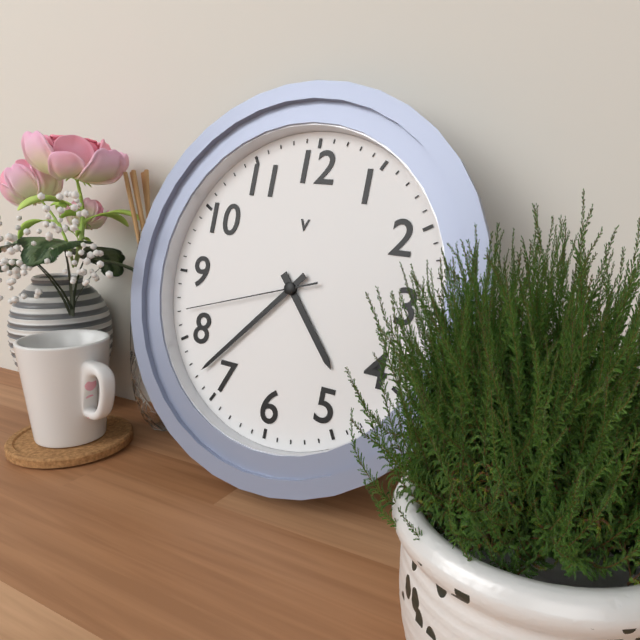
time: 4:37:42
